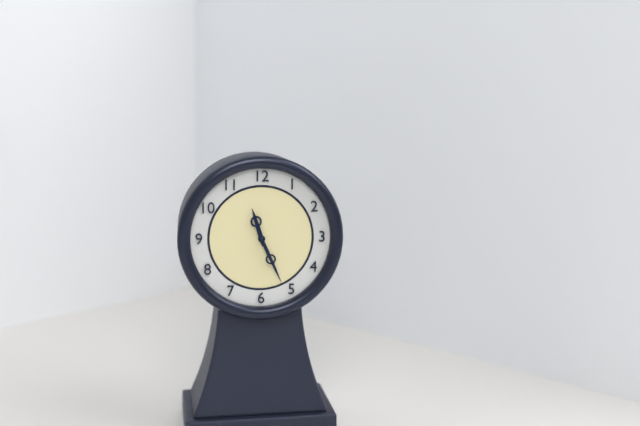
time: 11:26
